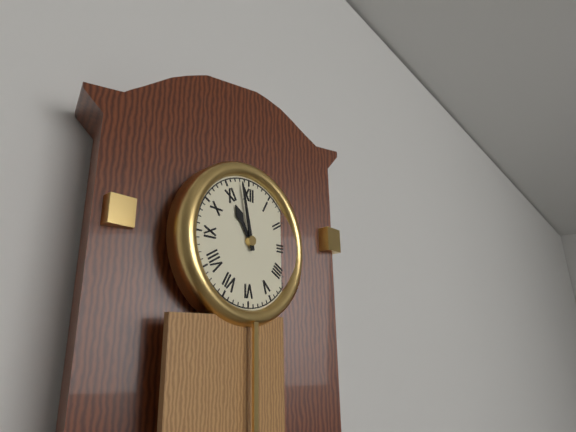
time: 10:58
